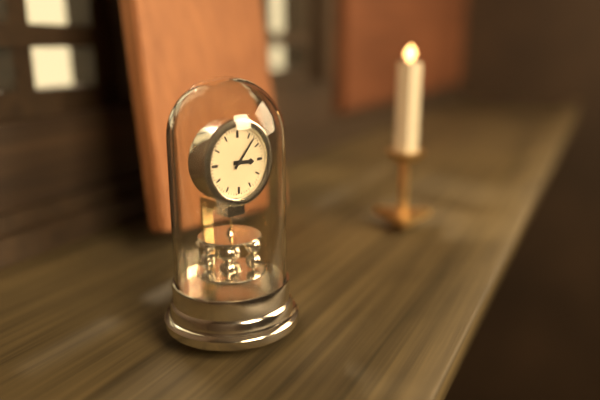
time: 3:07
